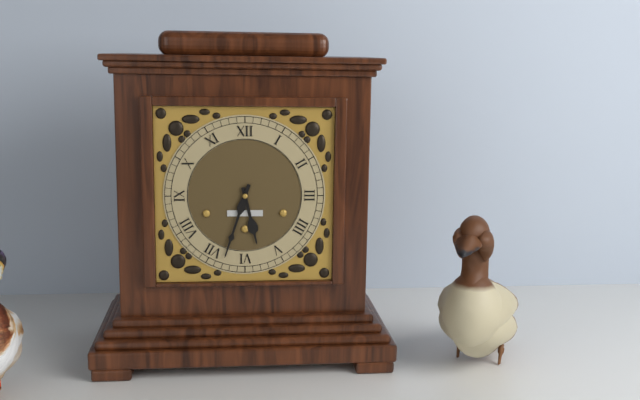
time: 5:33
